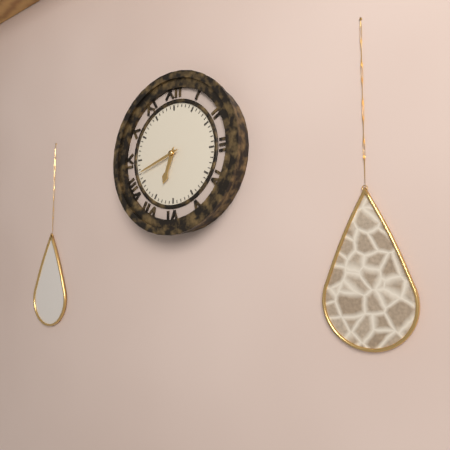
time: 6:42
